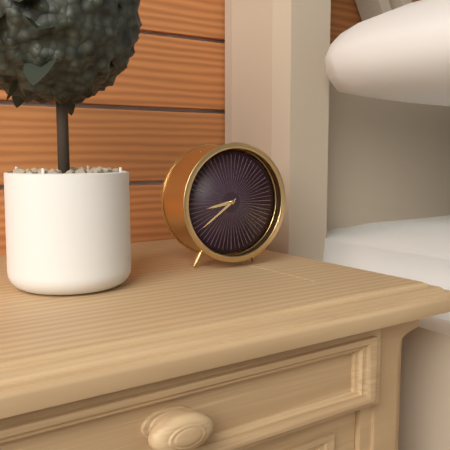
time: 8:39
